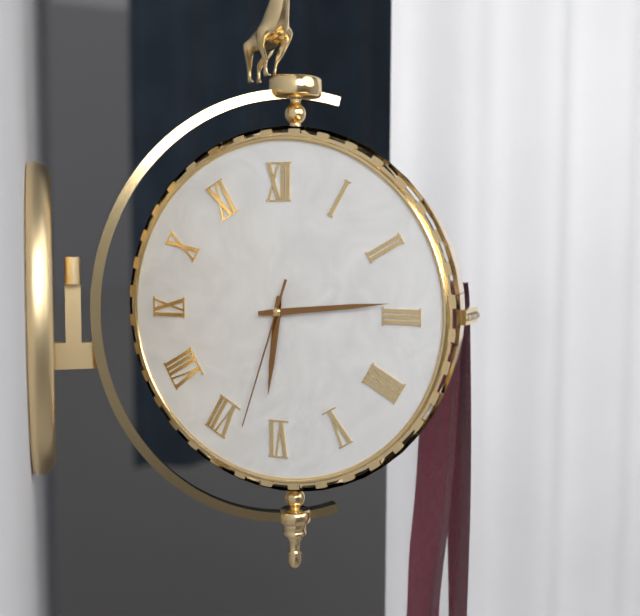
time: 6:14:33
